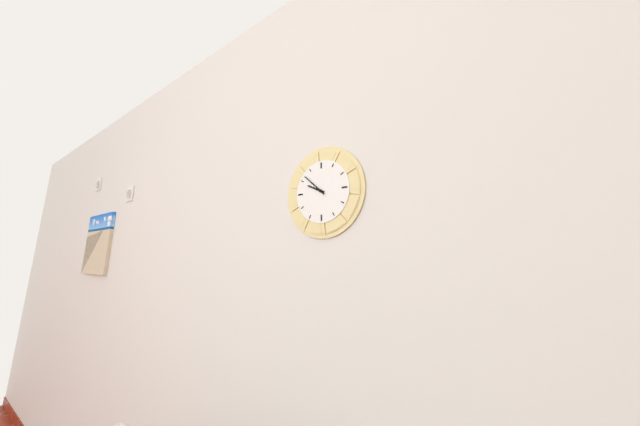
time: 9:52
